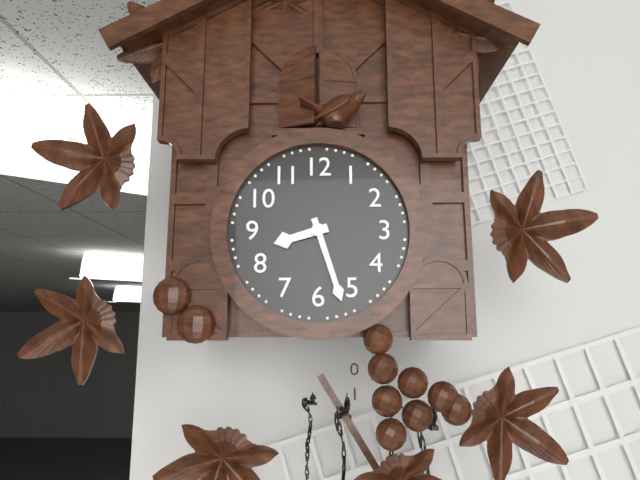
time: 8:27
